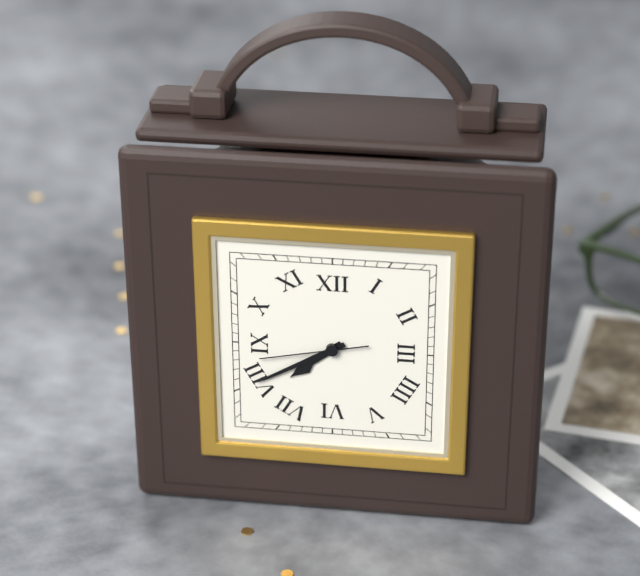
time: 7:40:43
